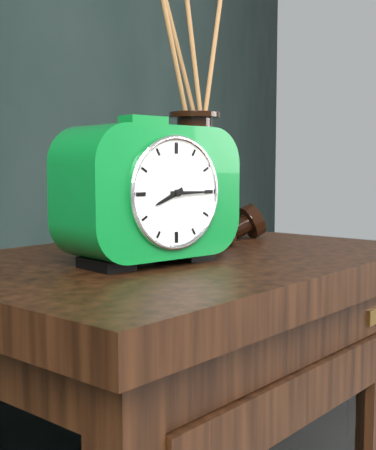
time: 8:15
